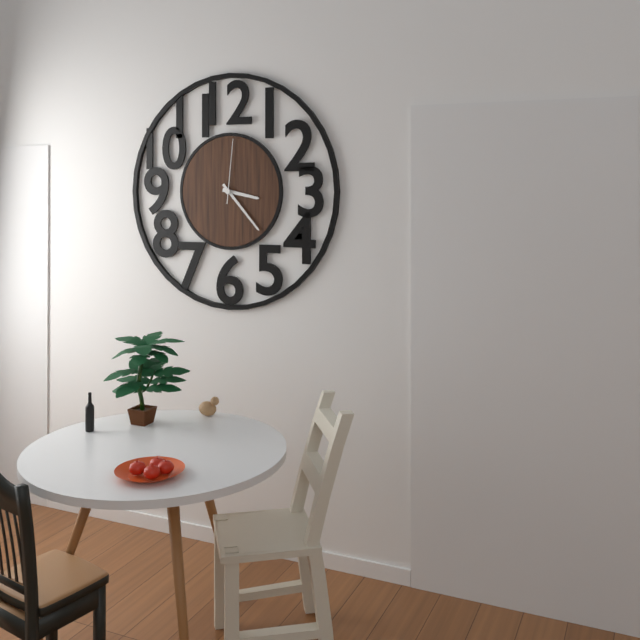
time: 3:23:01
